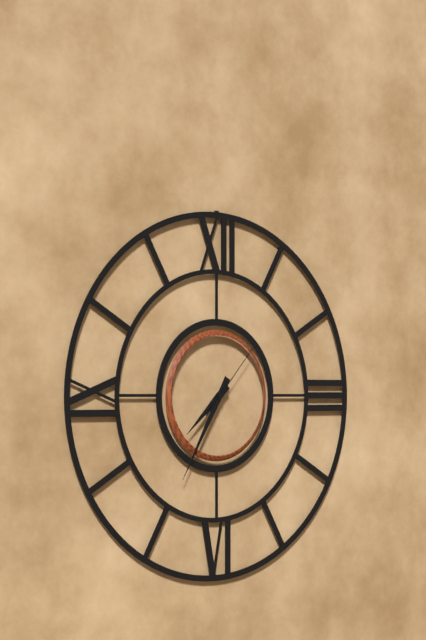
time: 7:35:07
